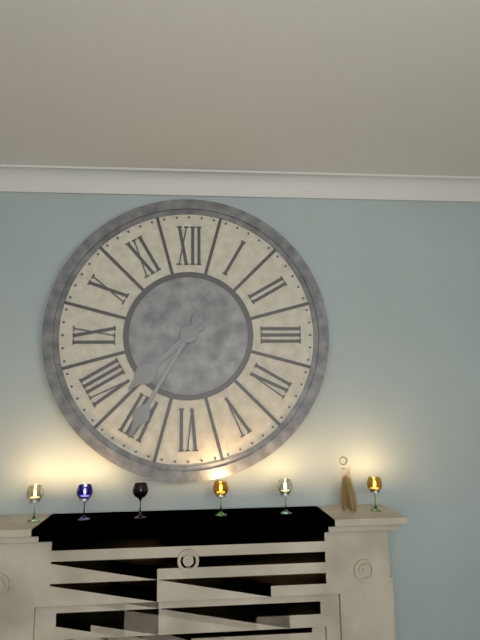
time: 7:35
